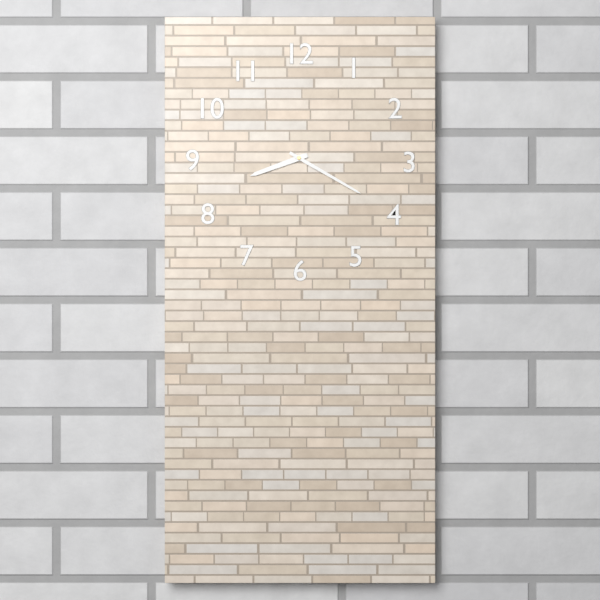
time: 8:20
